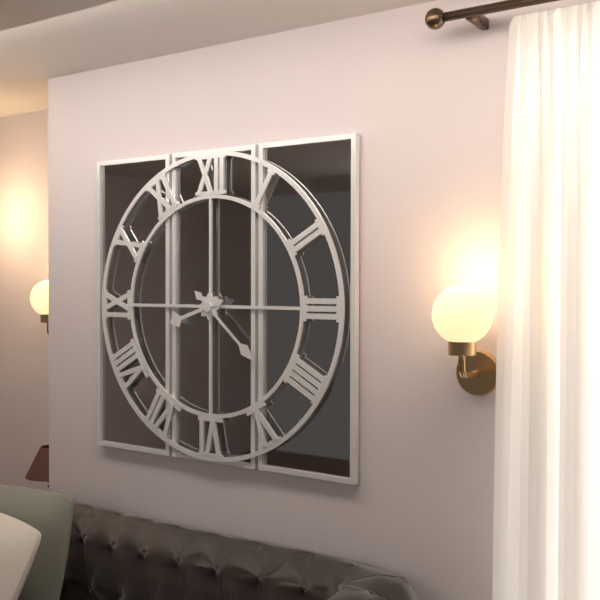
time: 8:22
